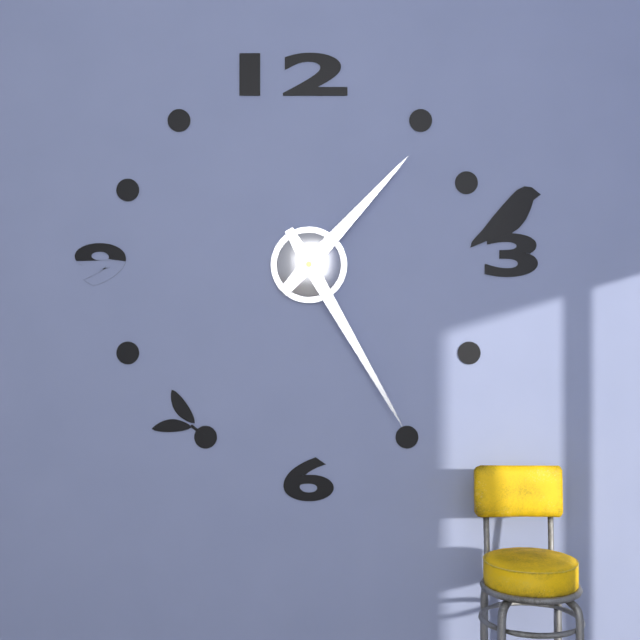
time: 1:25
